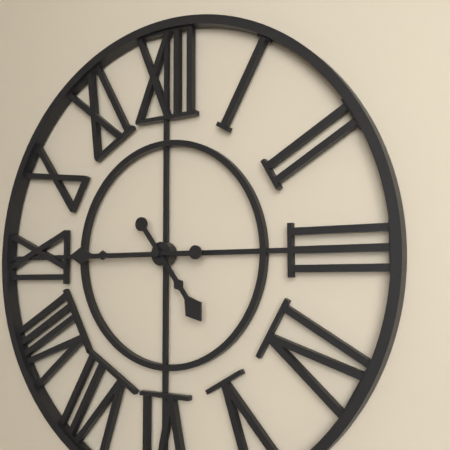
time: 4:45
